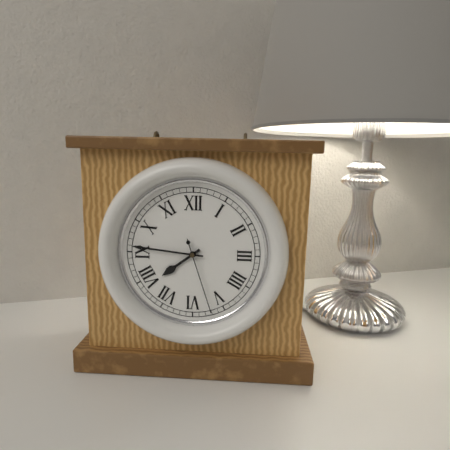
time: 7:46:27
